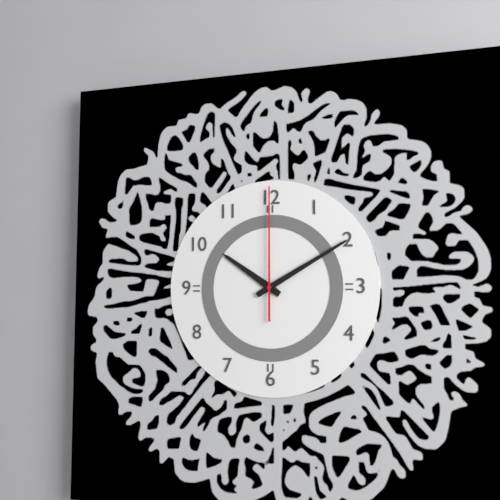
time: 10:10:00
